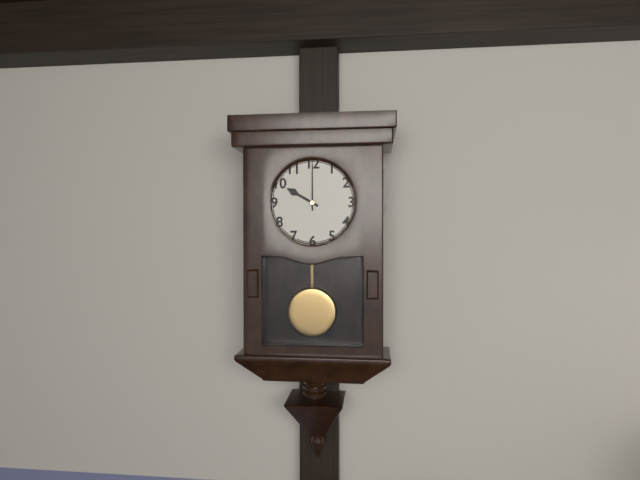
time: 10:00
